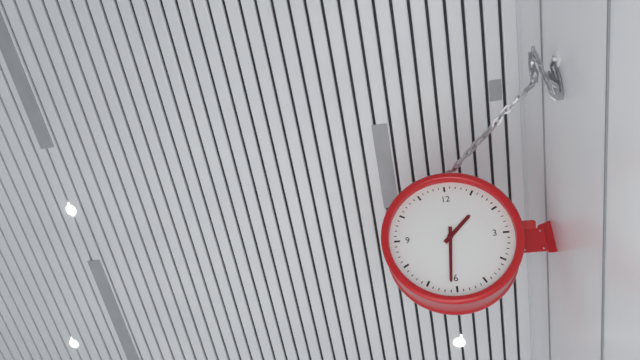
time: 1:31
